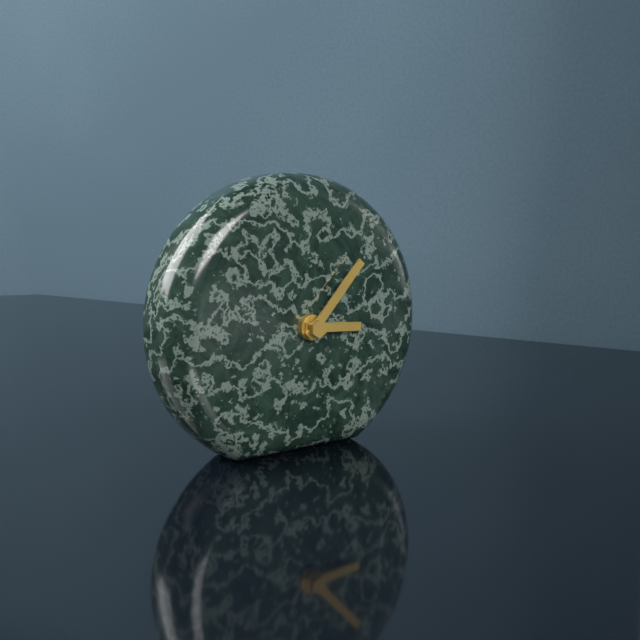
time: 3:07
